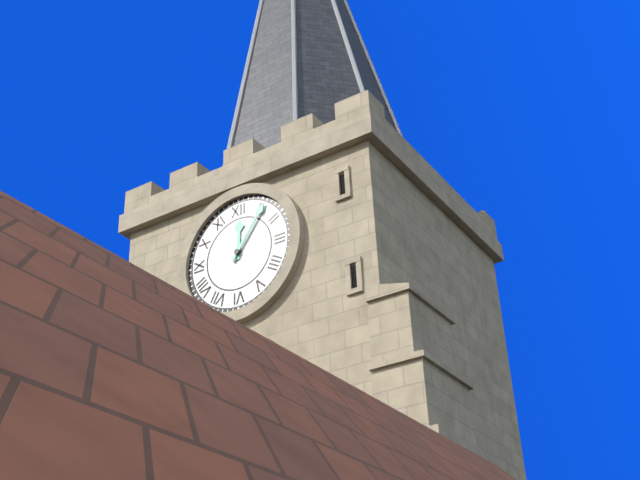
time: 12:06
